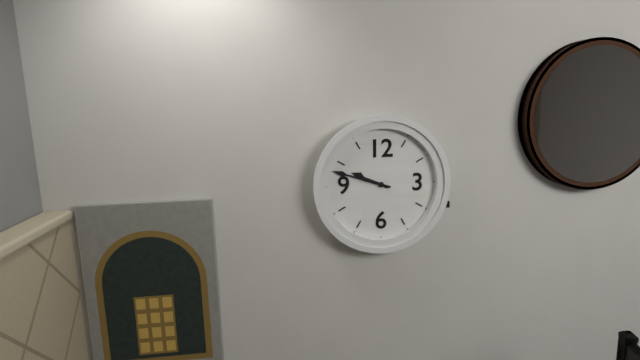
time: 9:48
